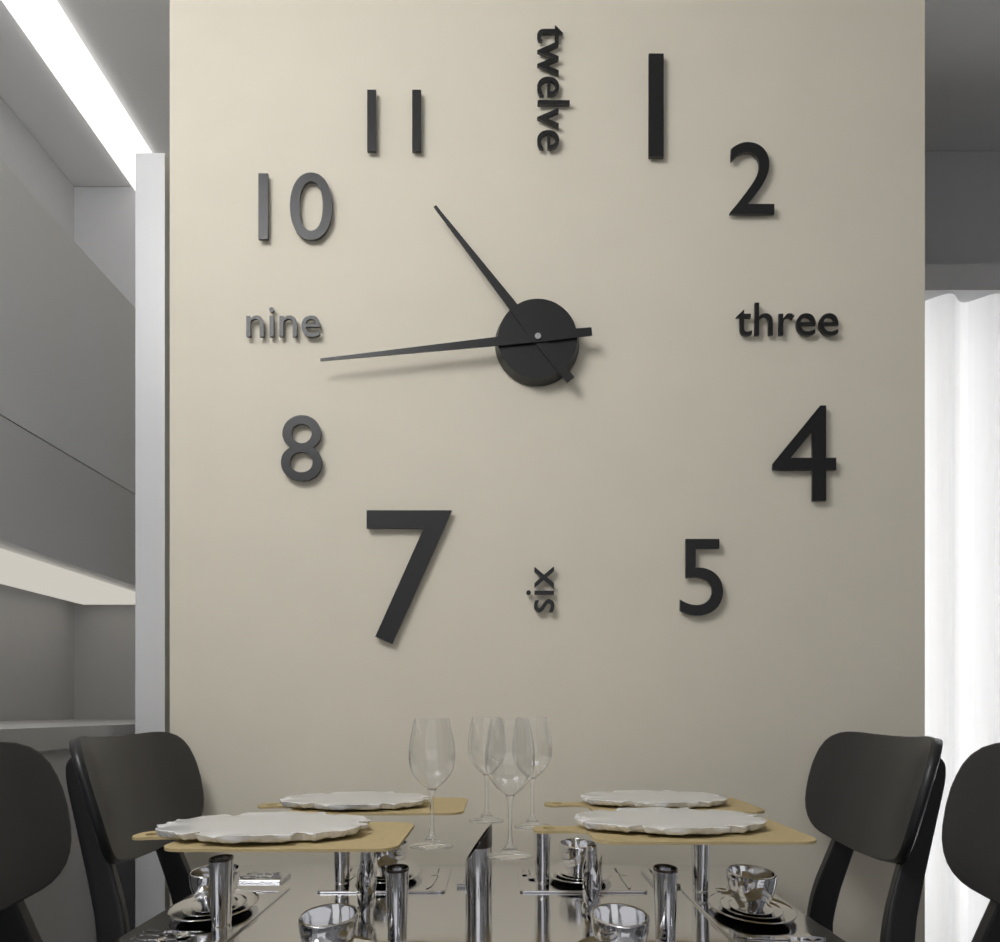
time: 10:44
